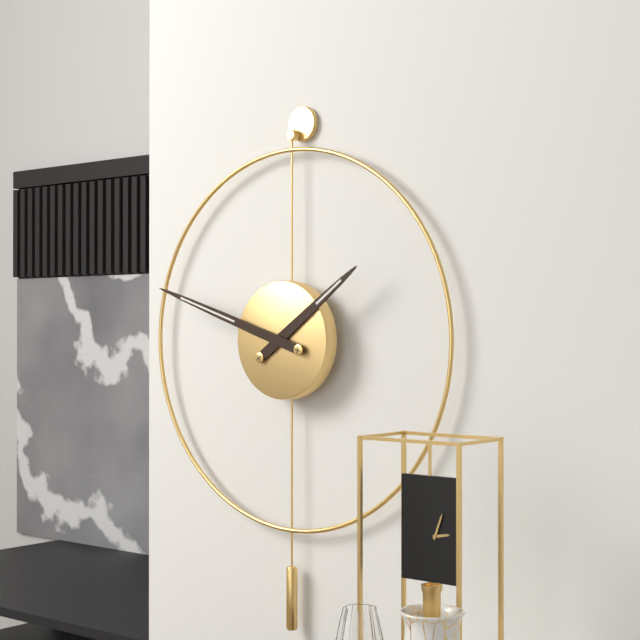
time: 1:48
